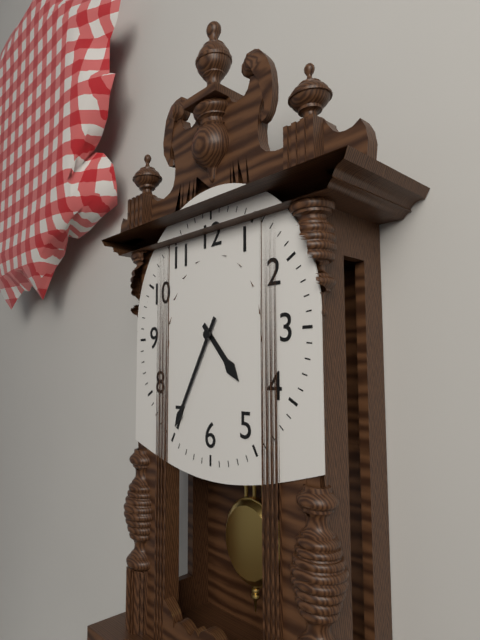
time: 4:35
